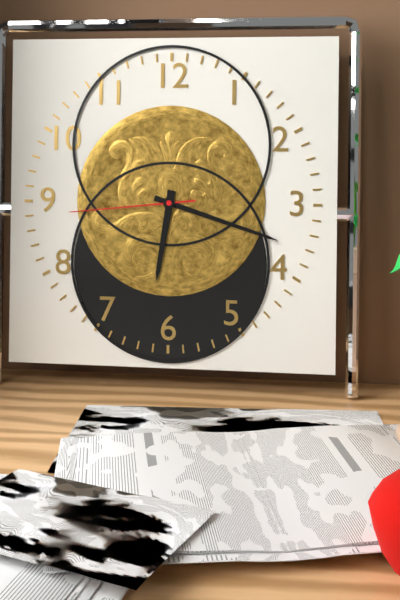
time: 6:18:44
